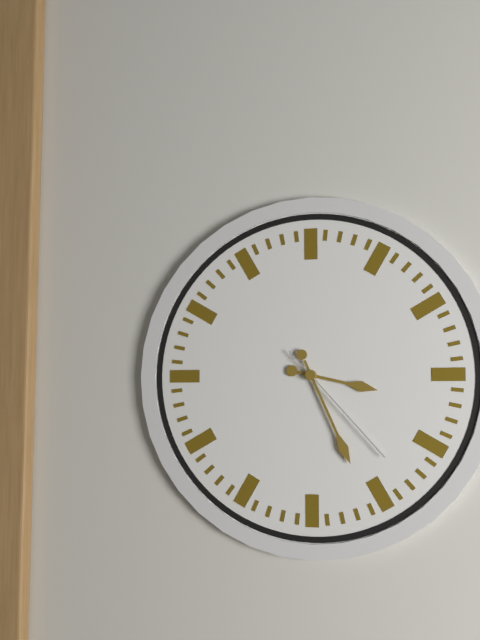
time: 3:26:23
